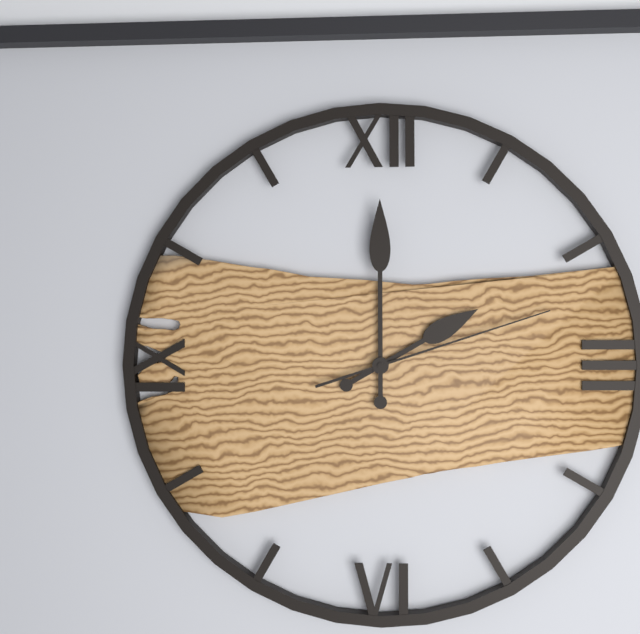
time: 2:00:12
